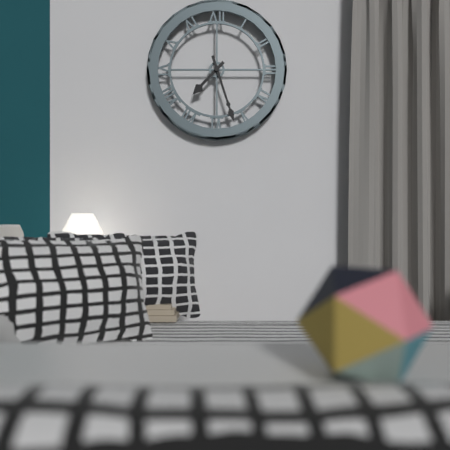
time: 7:27
